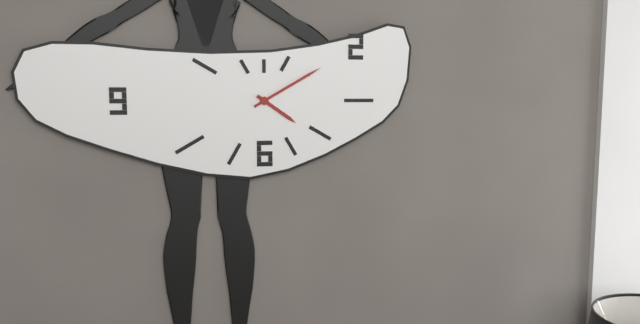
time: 4:10
